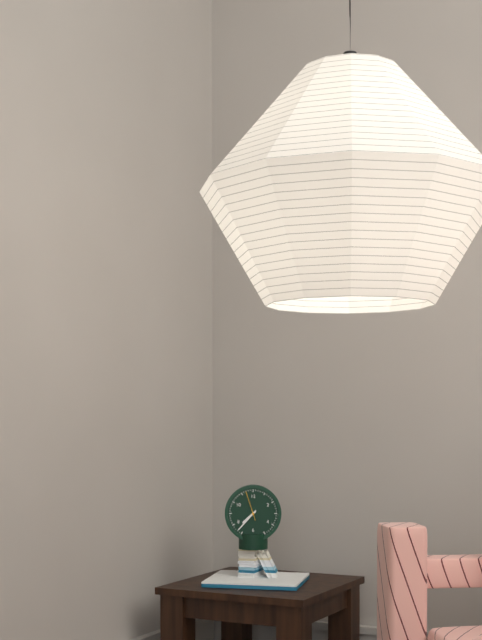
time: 7:37
